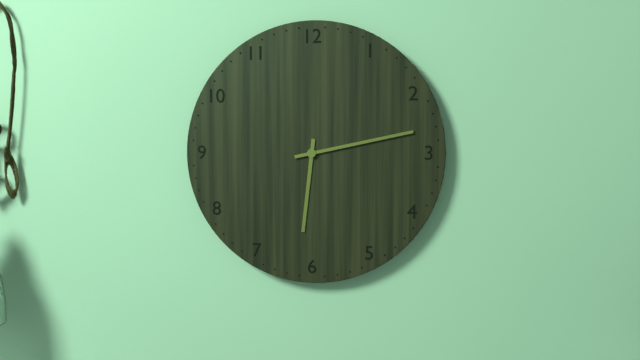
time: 6:13
